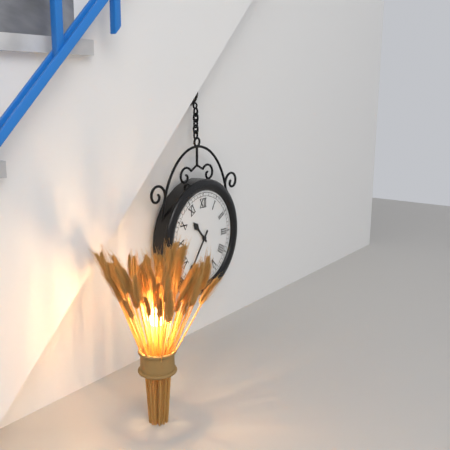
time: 10:36
